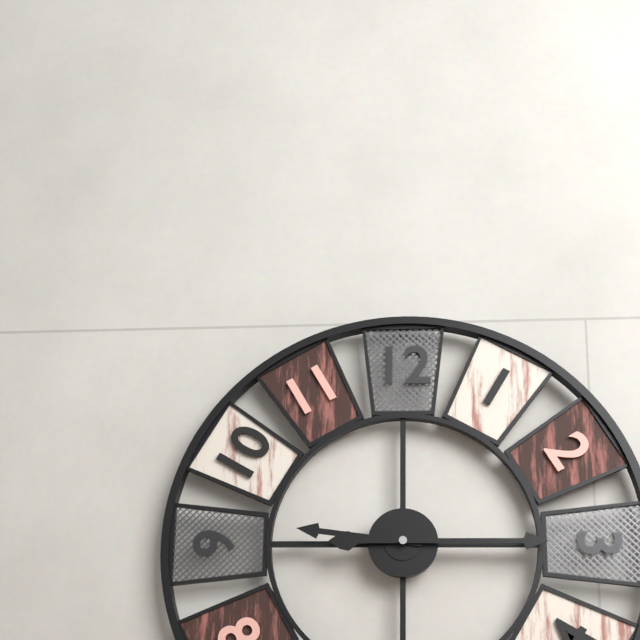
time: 9:15
